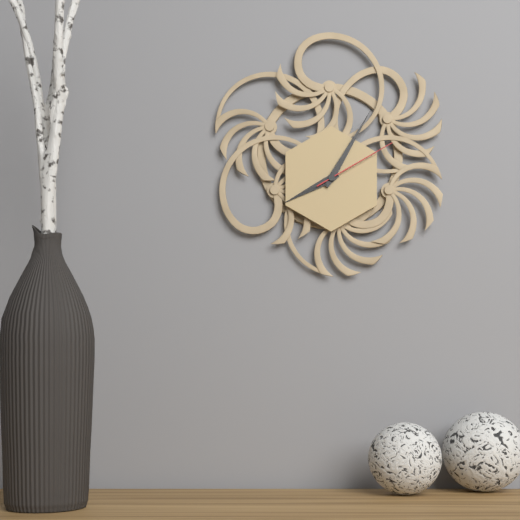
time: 8:05:10
